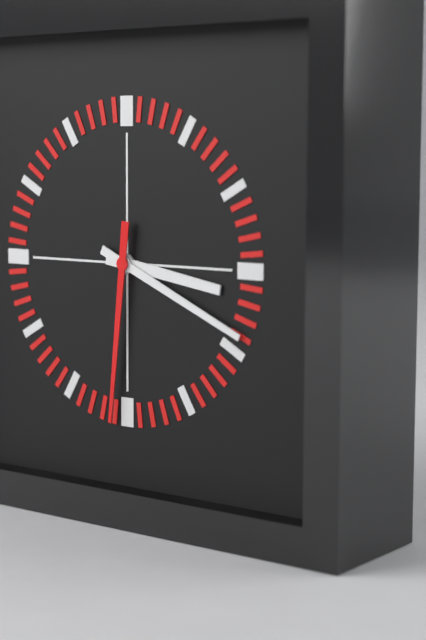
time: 3:19:31
